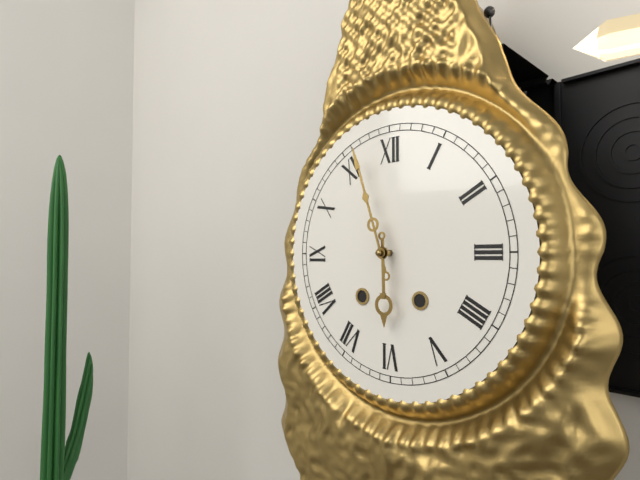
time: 5:57
